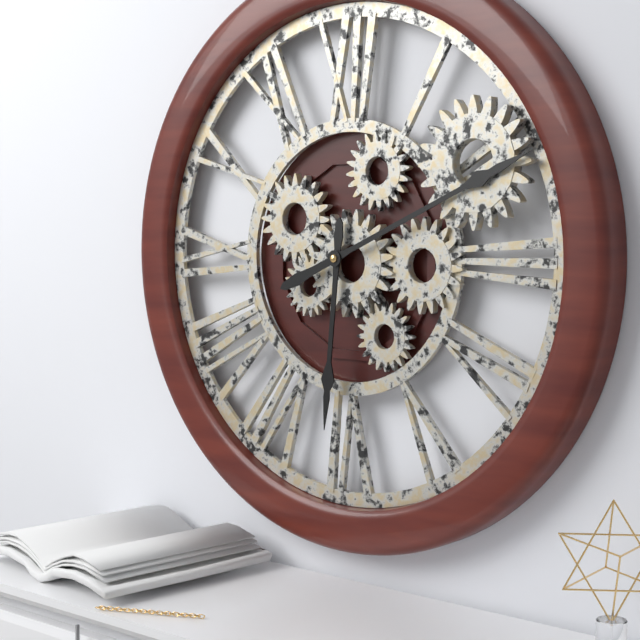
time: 6:11
